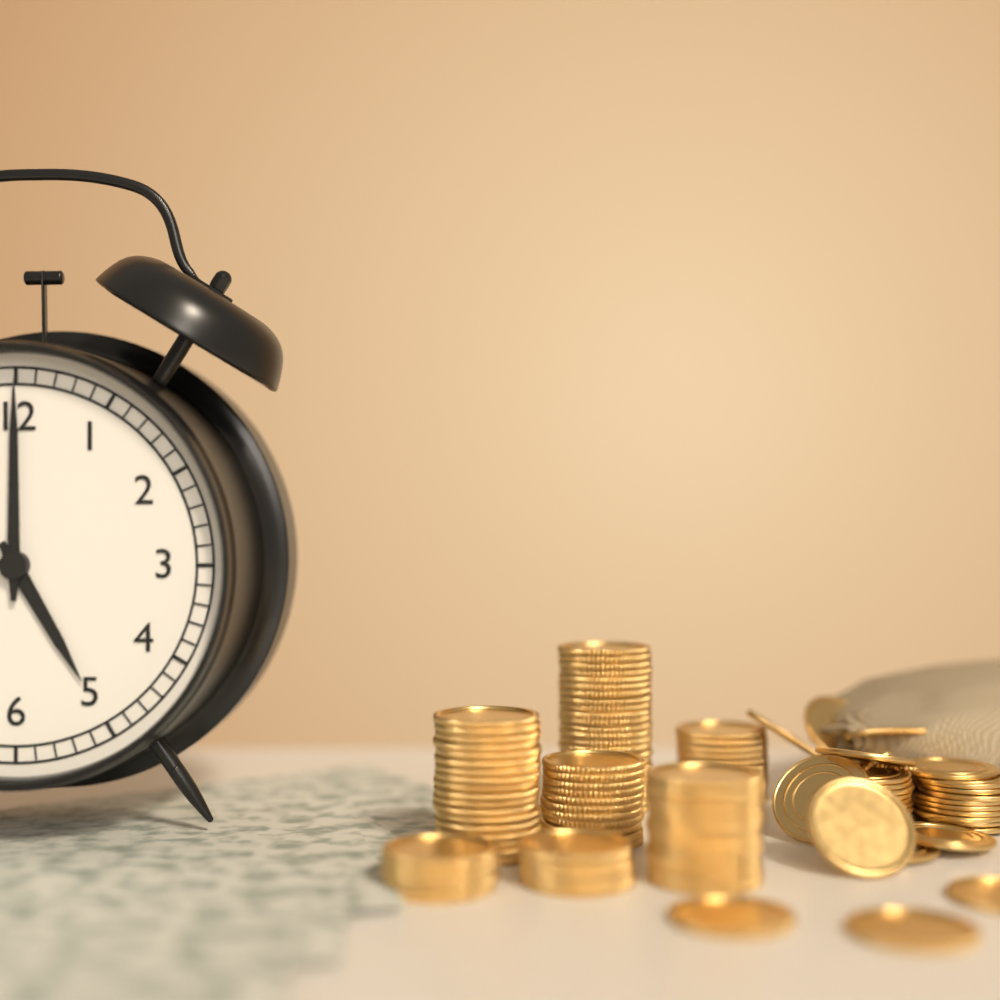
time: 5:00
